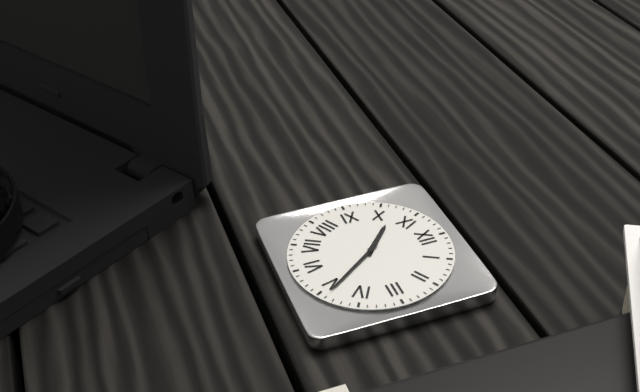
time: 10:24
